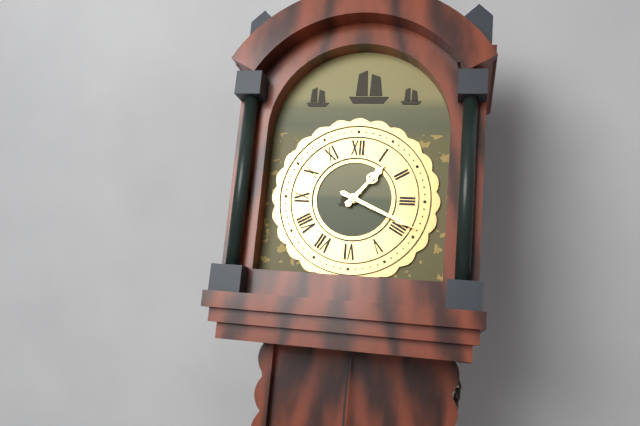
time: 1:19
